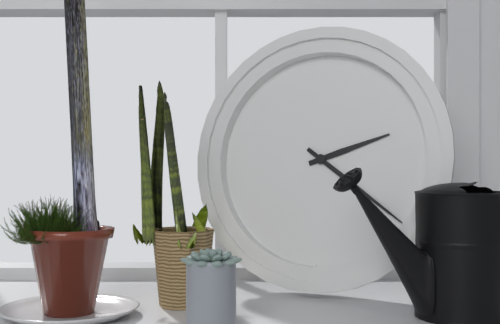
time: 2:21
